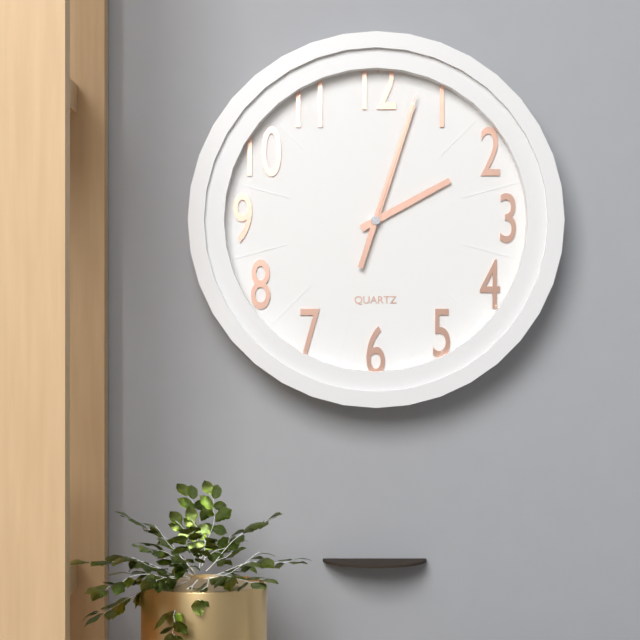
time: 2:03:03
